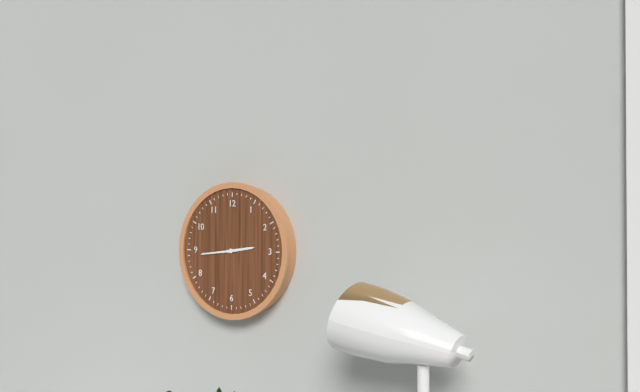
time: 2:44
